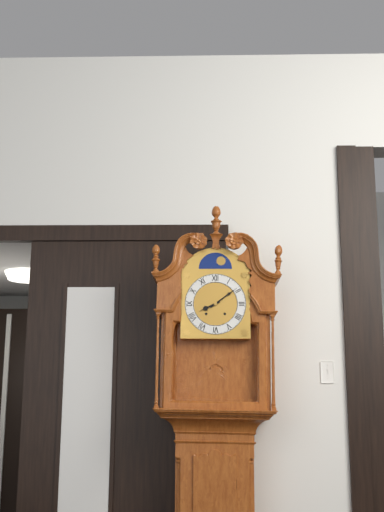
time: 8:09
